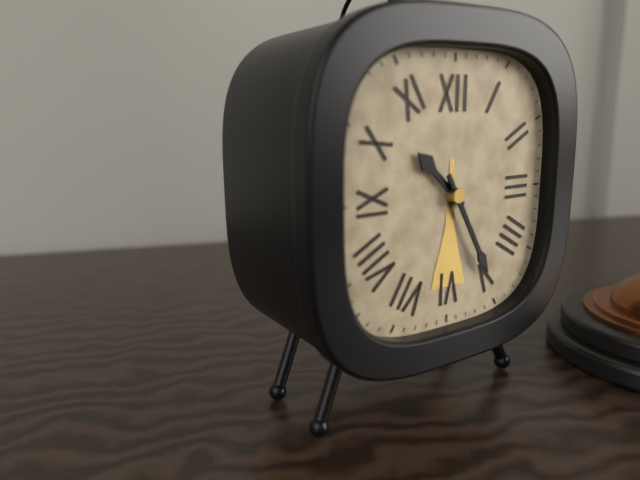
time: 10:25
